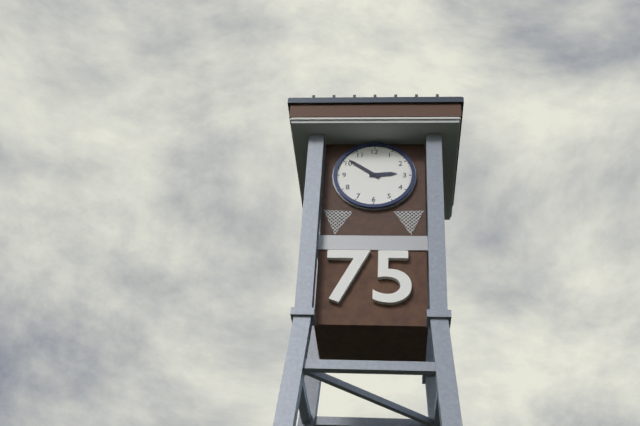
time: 2:51
